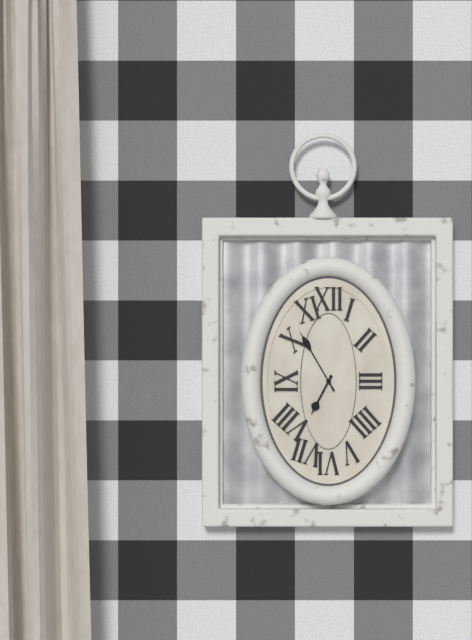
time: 6:55
